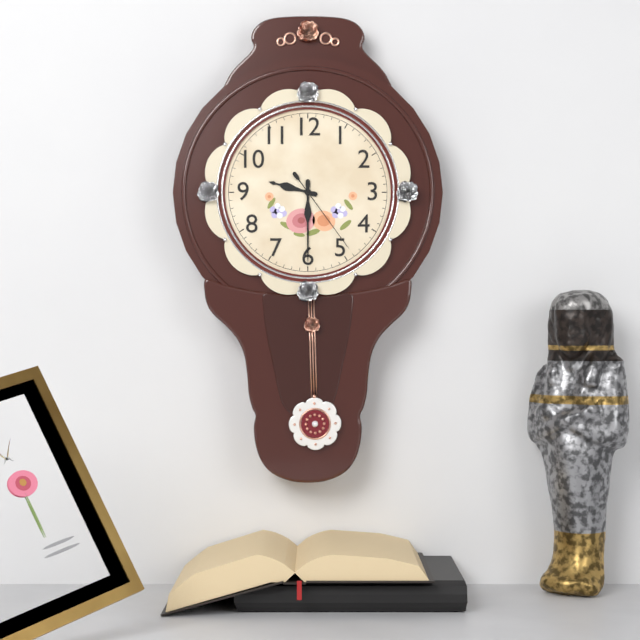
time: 9:30:24
